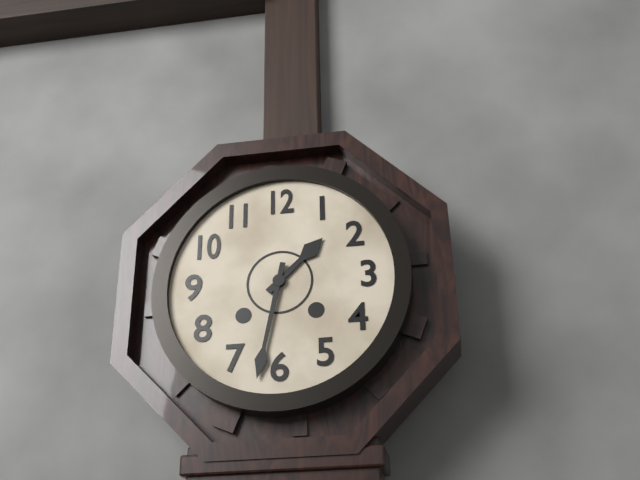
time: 1:32
